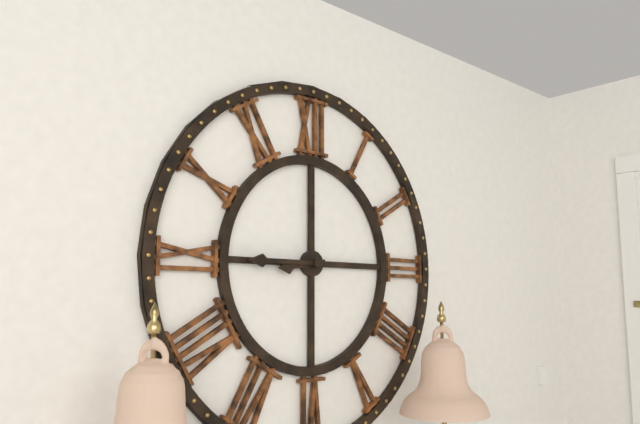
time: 8:45
